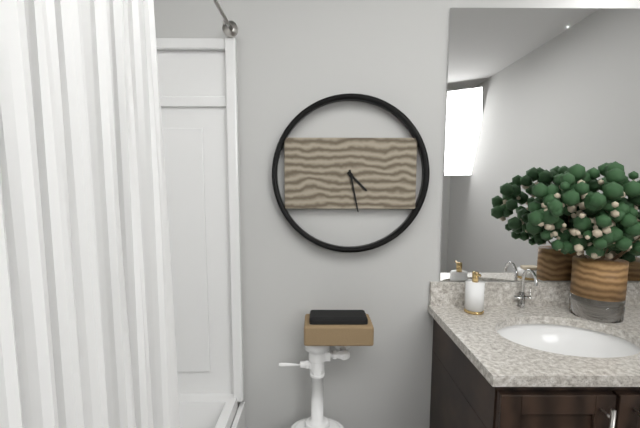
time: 4:28
